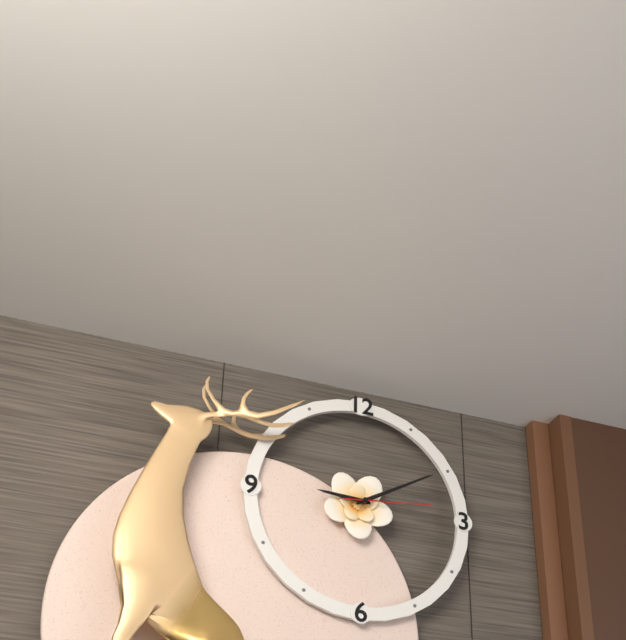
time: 9:10:14
